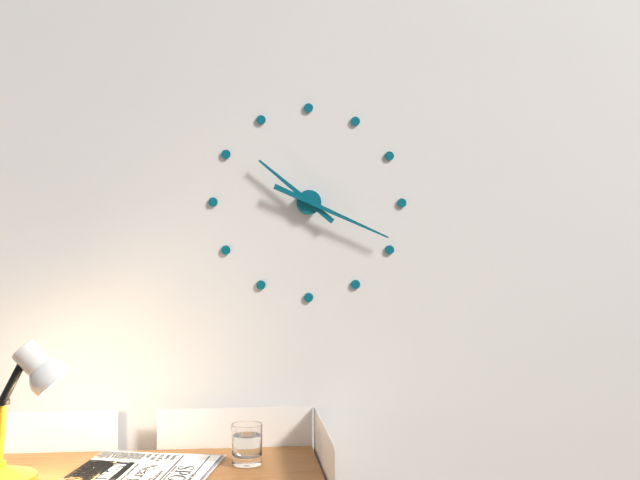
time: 10:19
